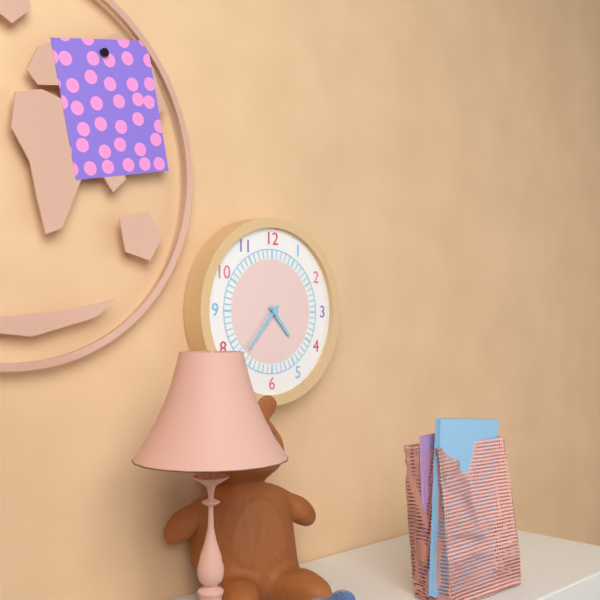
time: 4:37
